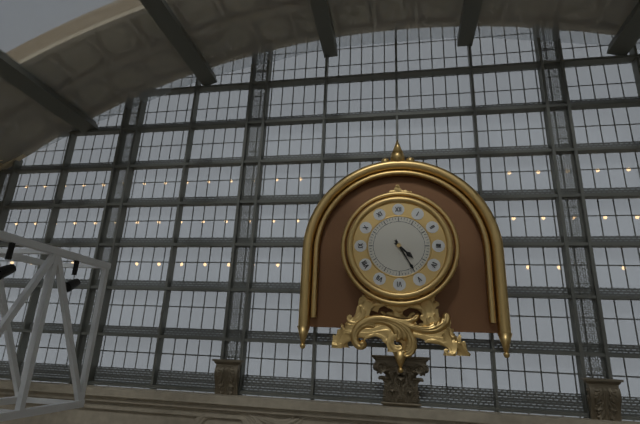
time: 4:25
